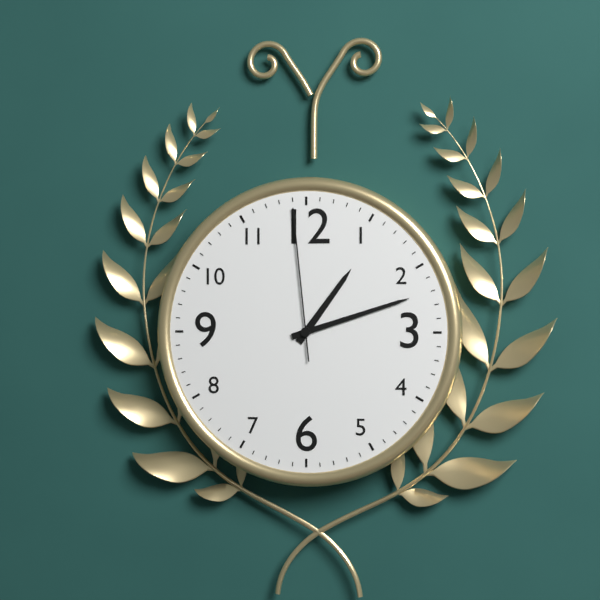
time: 1:12:59
